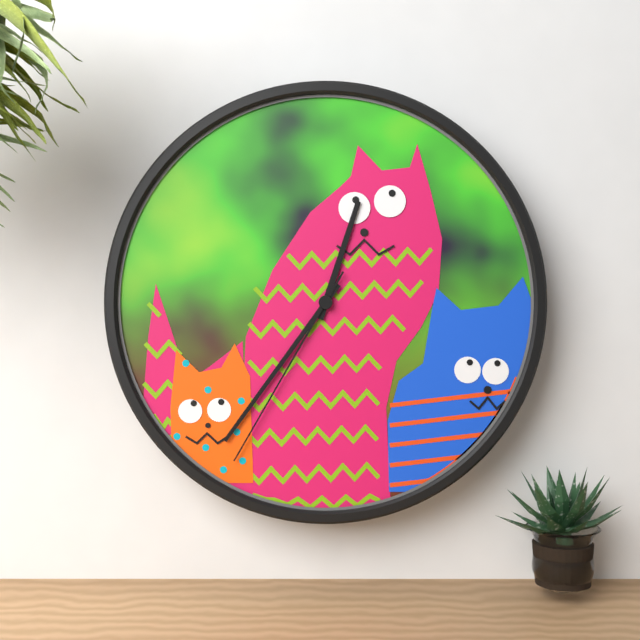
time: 12:36:35
